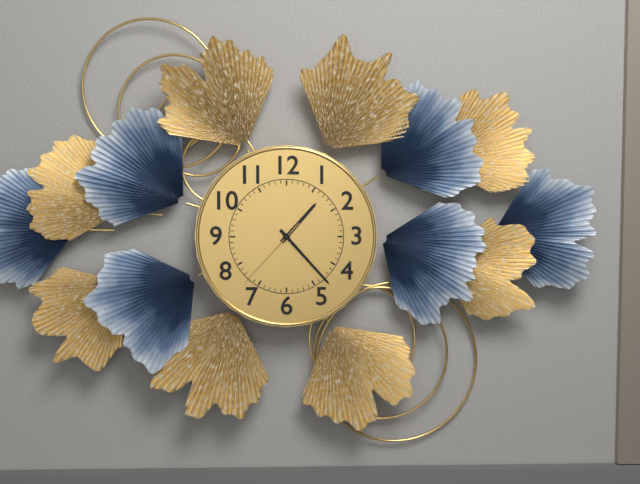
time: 1:23:37
